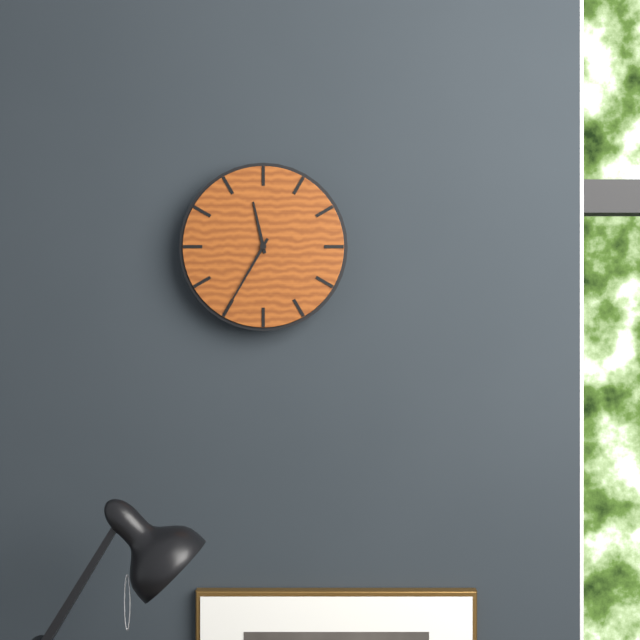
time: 11:35
